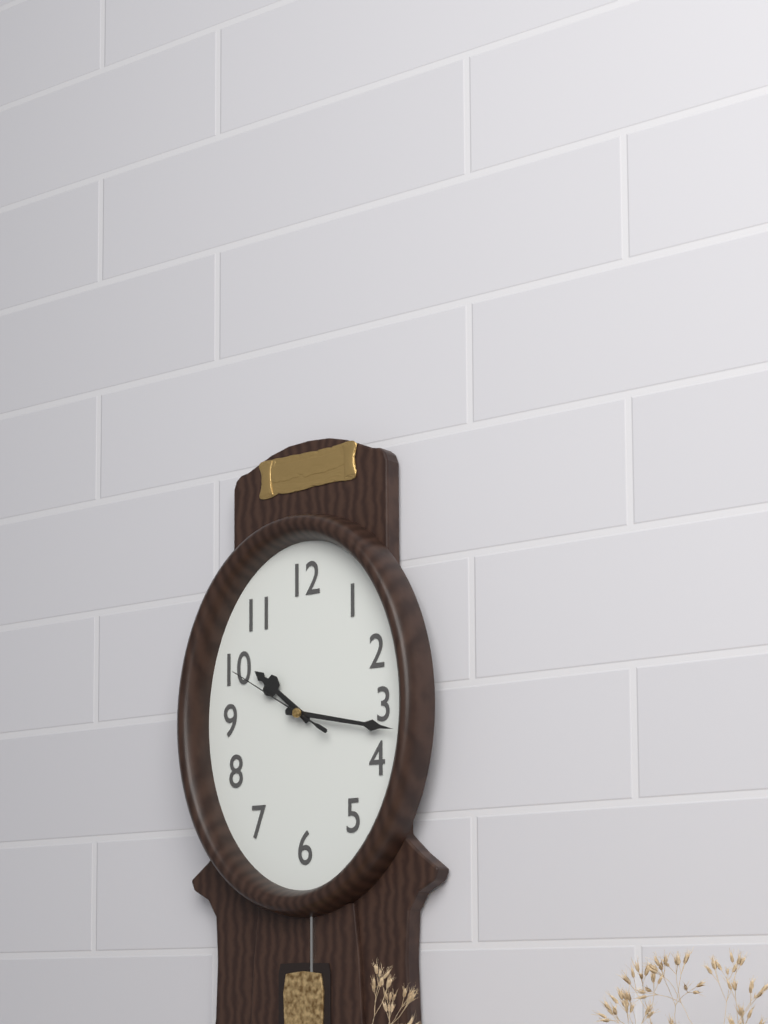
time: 10:17:50
